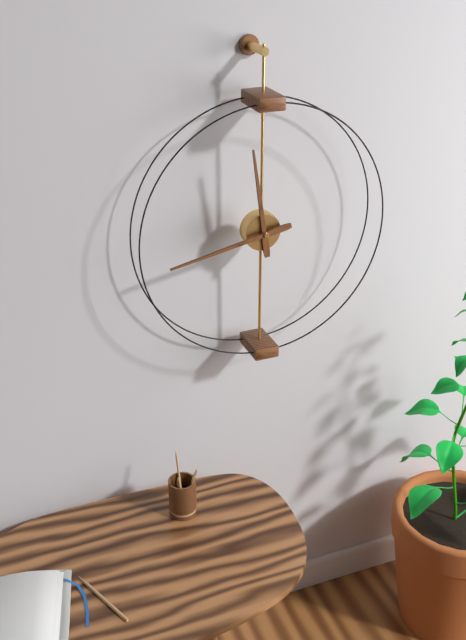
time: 11:43
